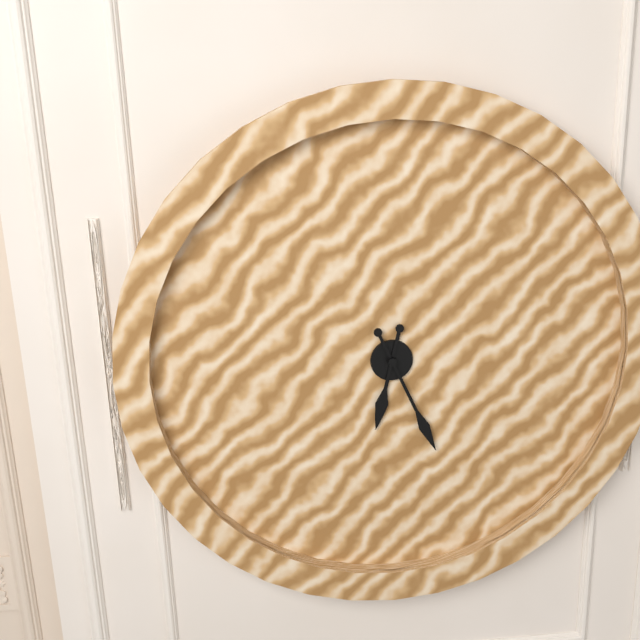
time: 6:26
